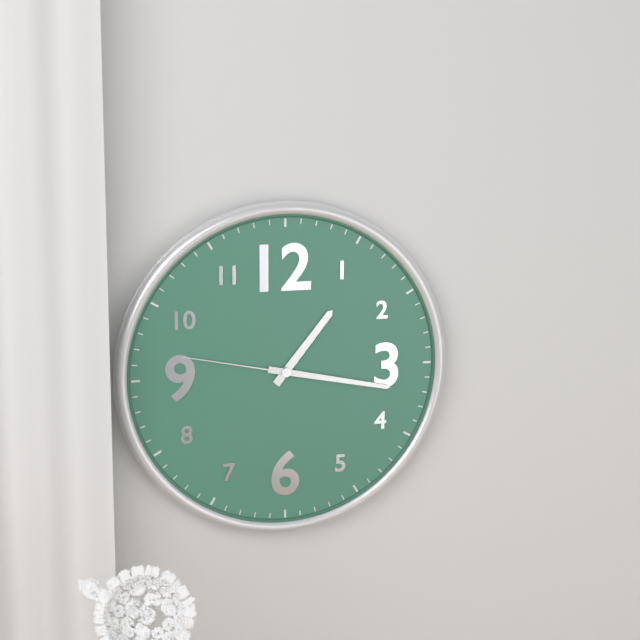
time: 1:17:47
